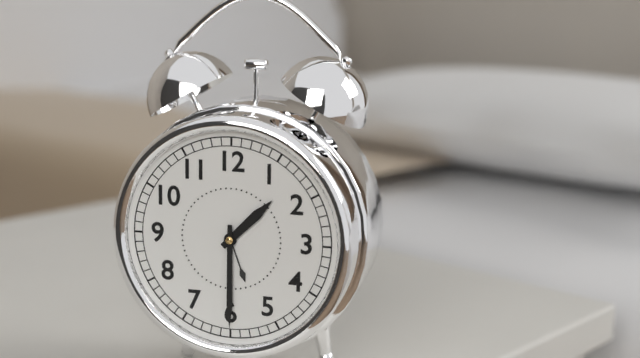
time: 1:30
